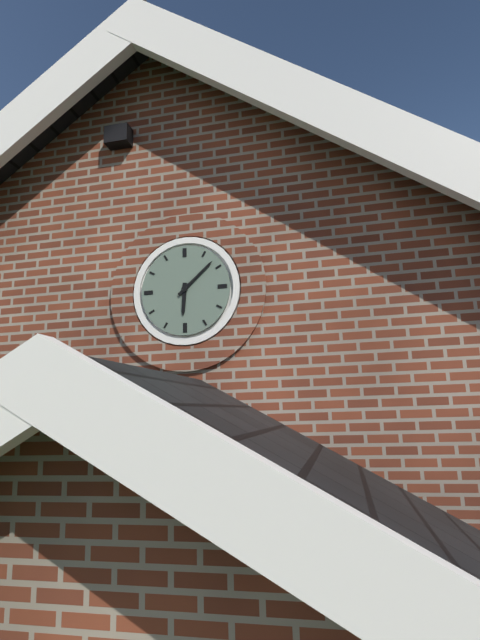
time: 6:08
